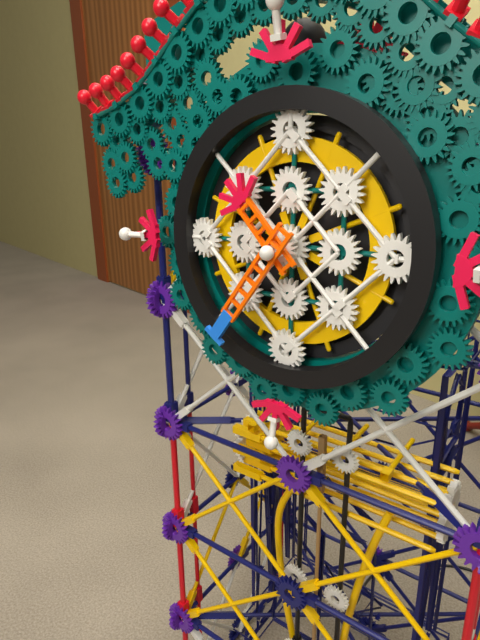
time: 10:36
